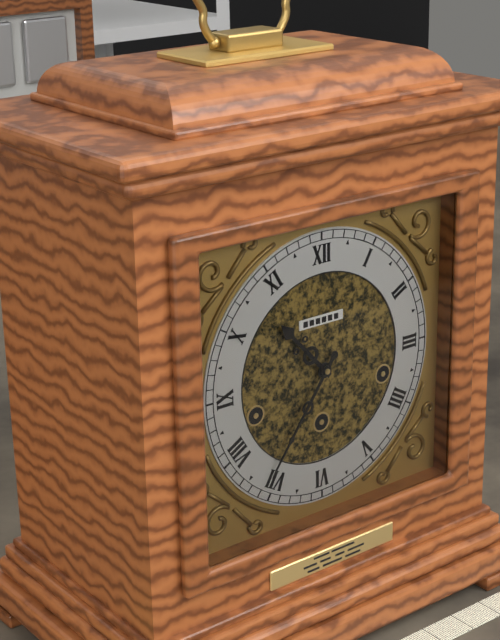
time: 10:36
